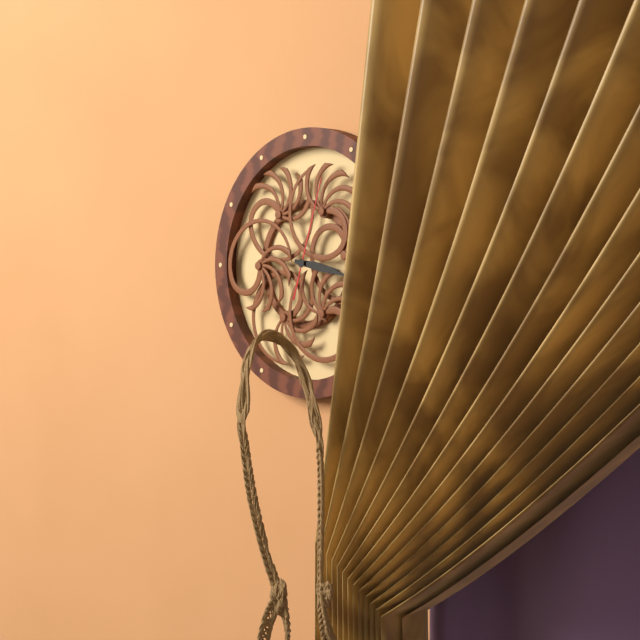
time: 3:17:03
